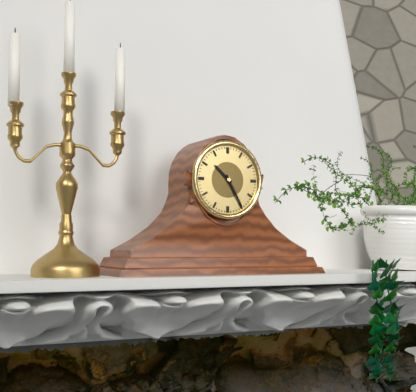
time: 10:25
